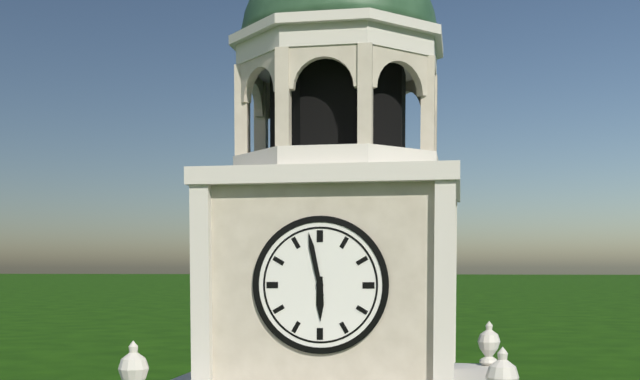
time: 5:58
